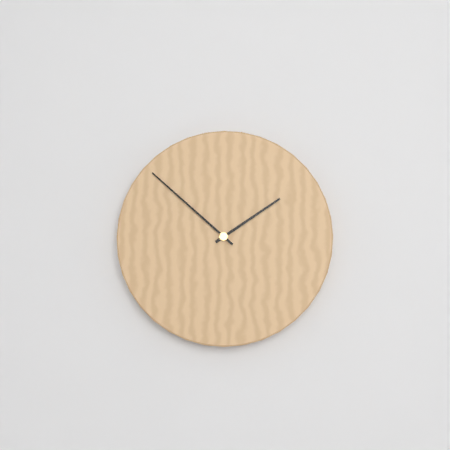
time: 1:52
